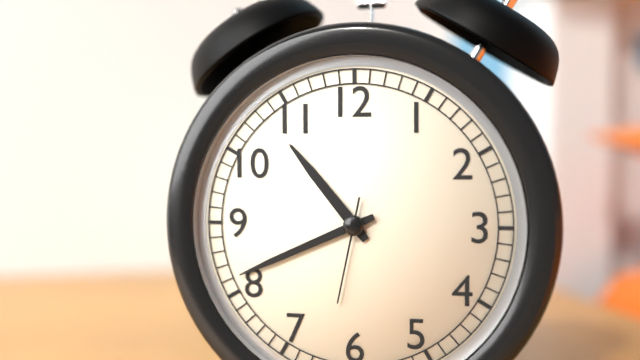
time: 10:41:32
